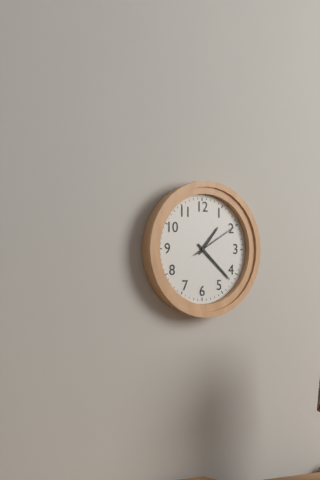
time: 1:22
